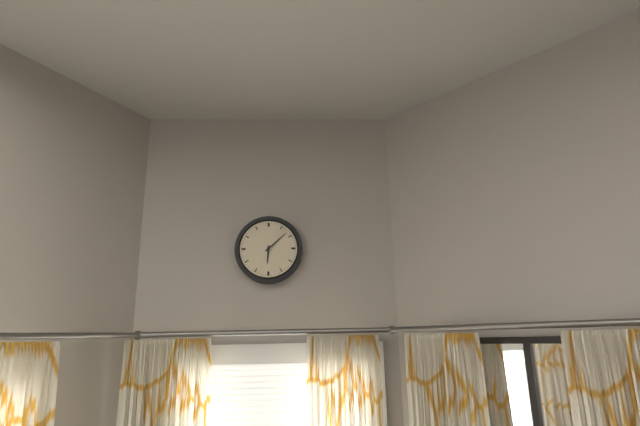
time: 6:08
